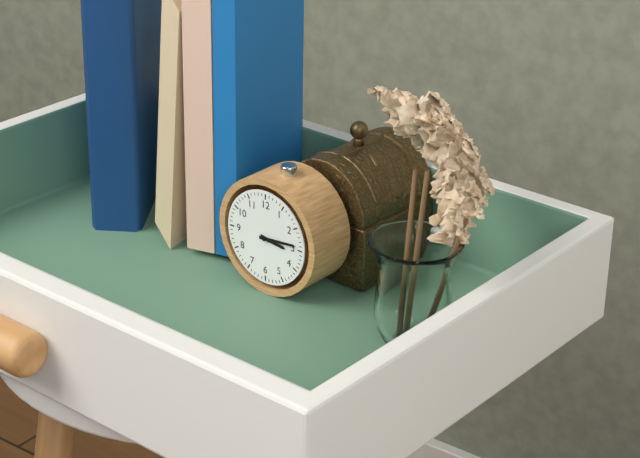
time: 3:14
